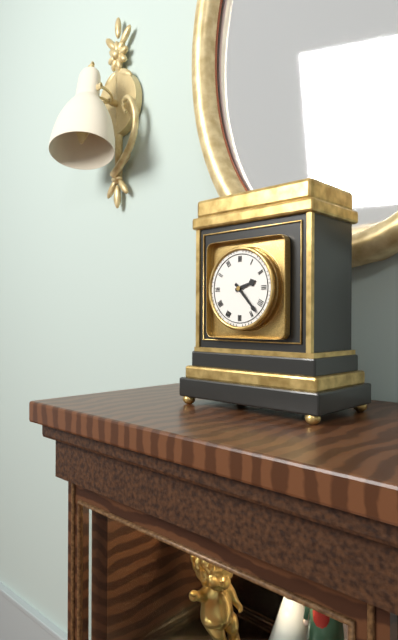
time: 2:23
